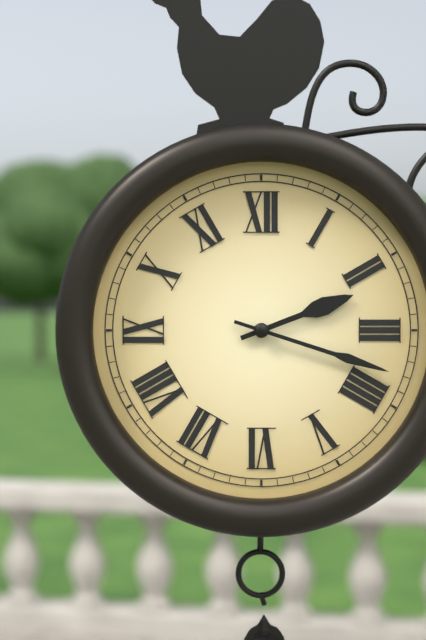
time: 2:18
